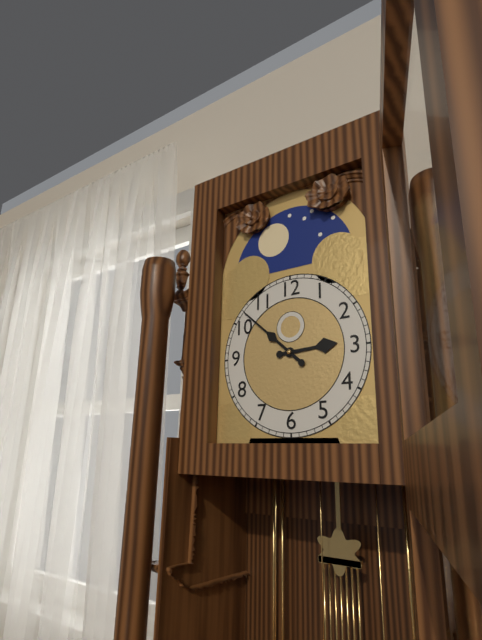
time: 2:52
